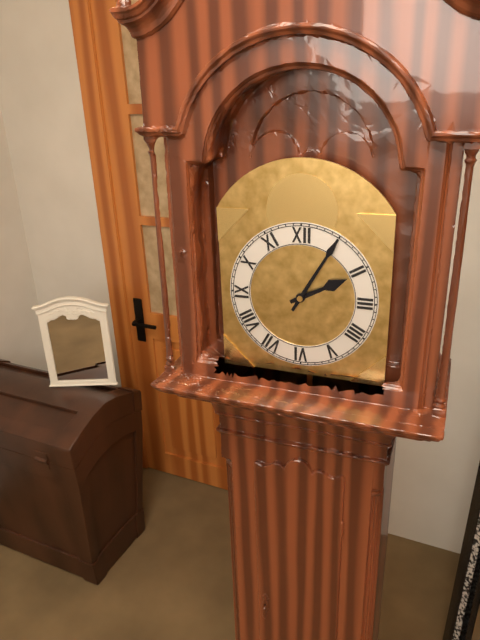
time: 2:05
